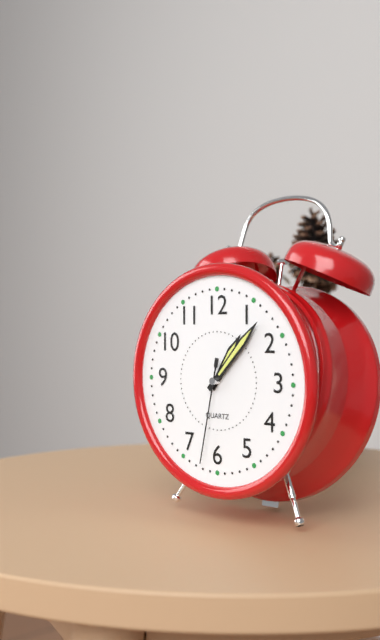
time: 1:07:32
